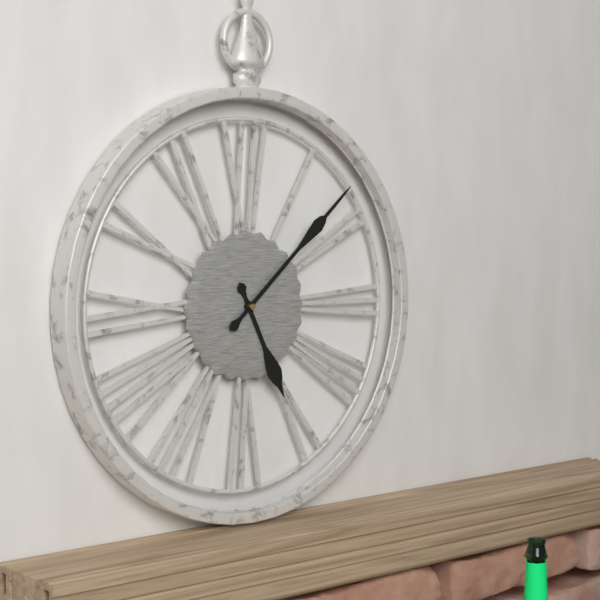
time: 5:08
